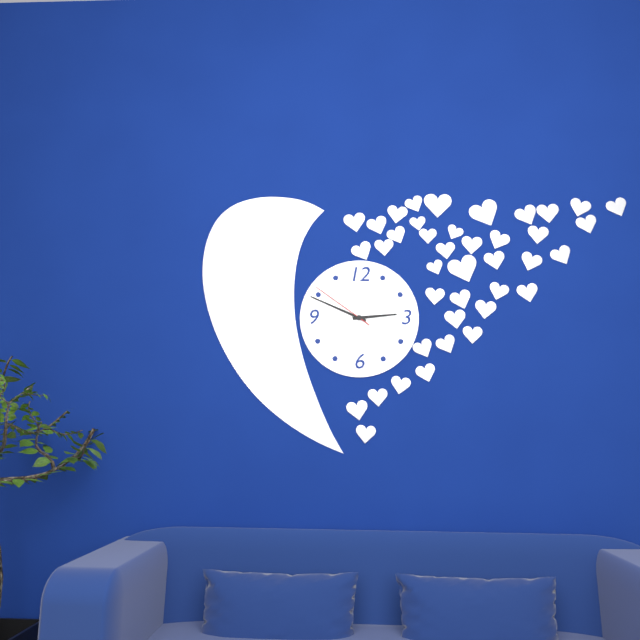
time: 2:49:51
